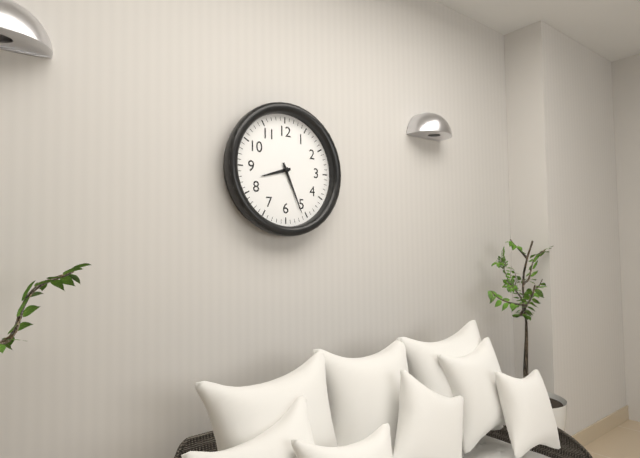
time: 8:26
